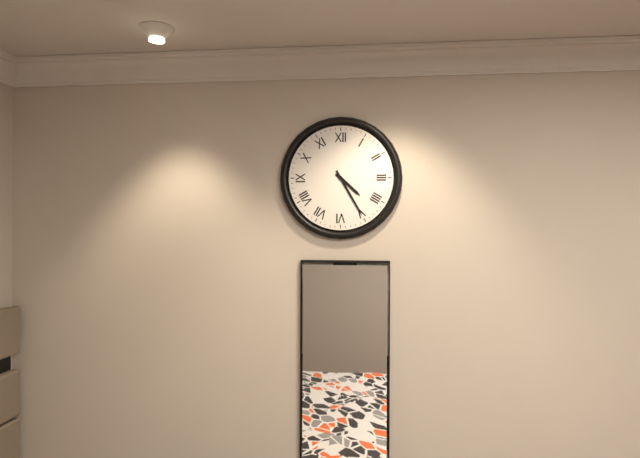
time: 4:25
